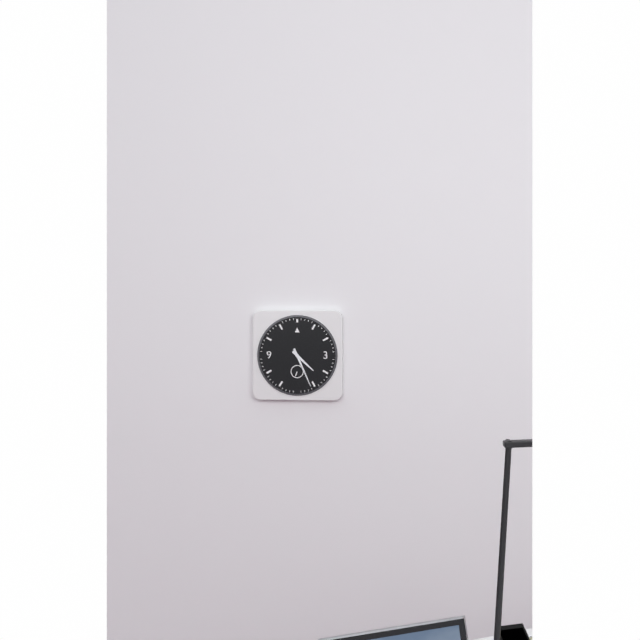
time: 4:26
